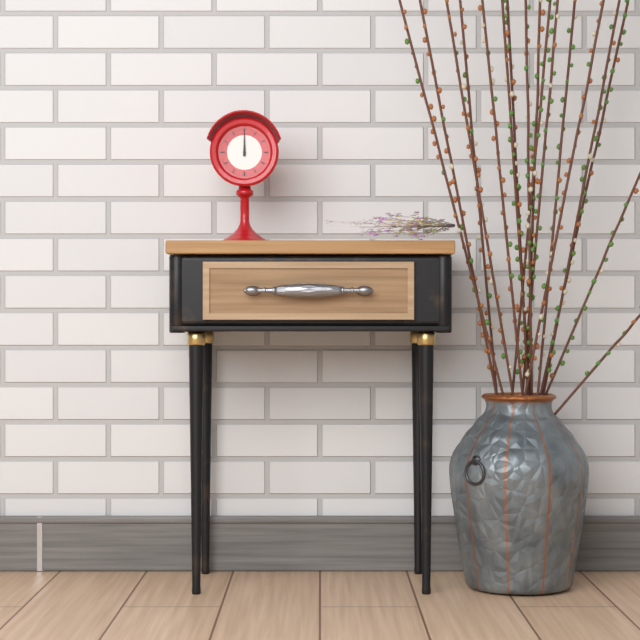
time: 12:00
